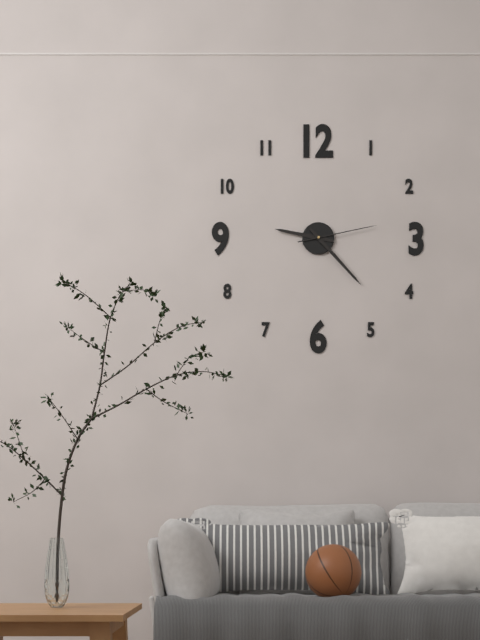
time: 9:23:13
